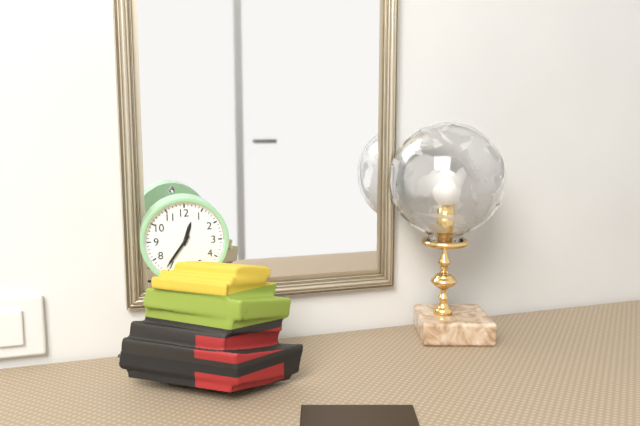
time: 12:36
